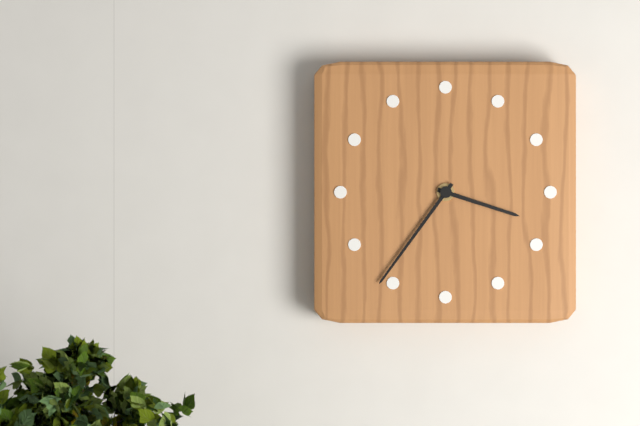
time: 3:36
